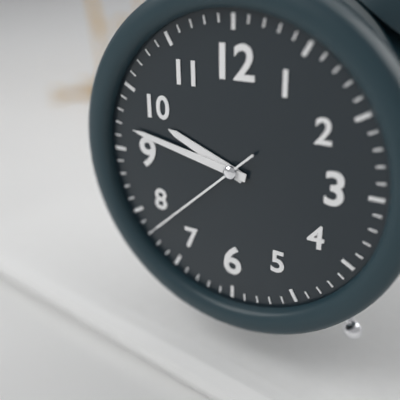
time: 9:47:38
